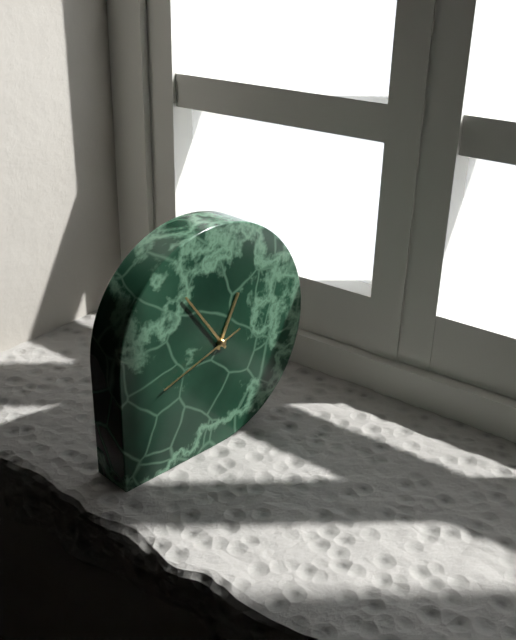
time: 12:54:42
